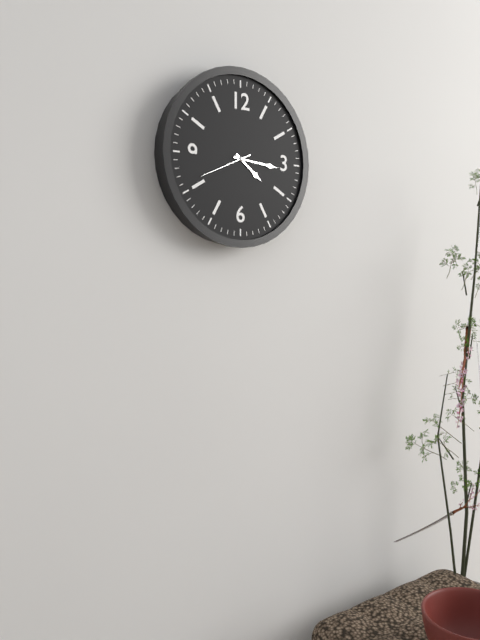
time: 4:16:41
